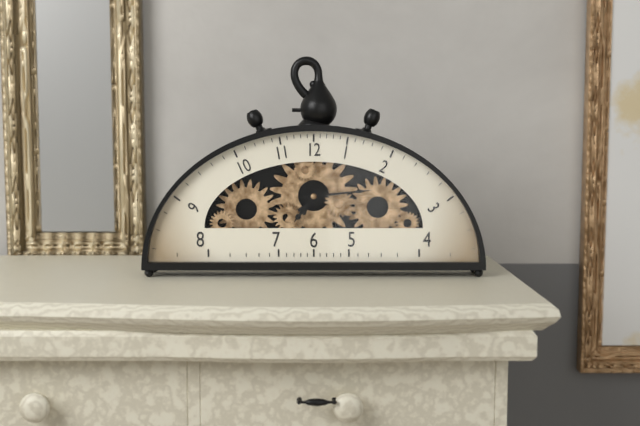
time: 7:14
